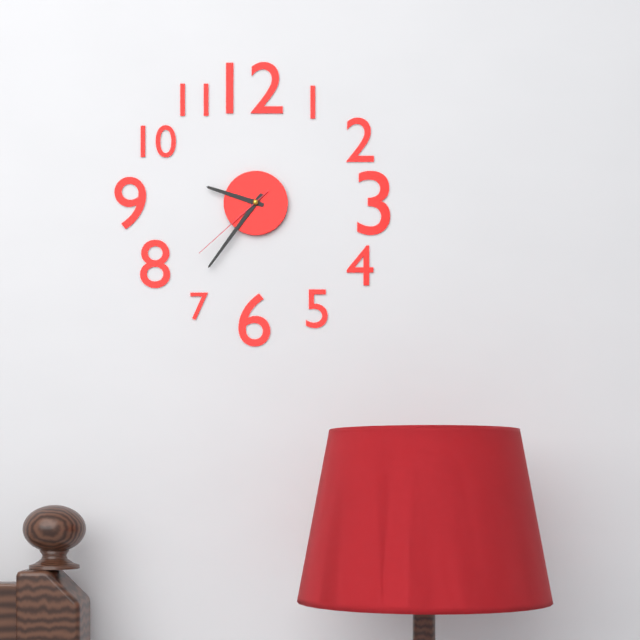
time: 9:36:38
